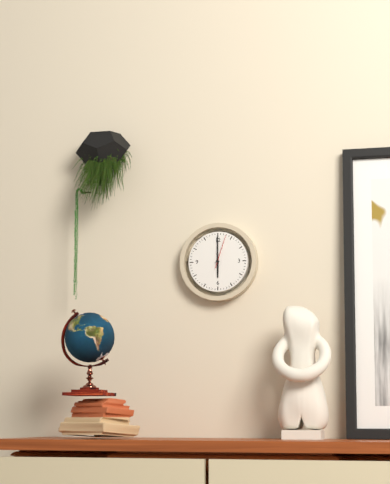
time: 6:00
